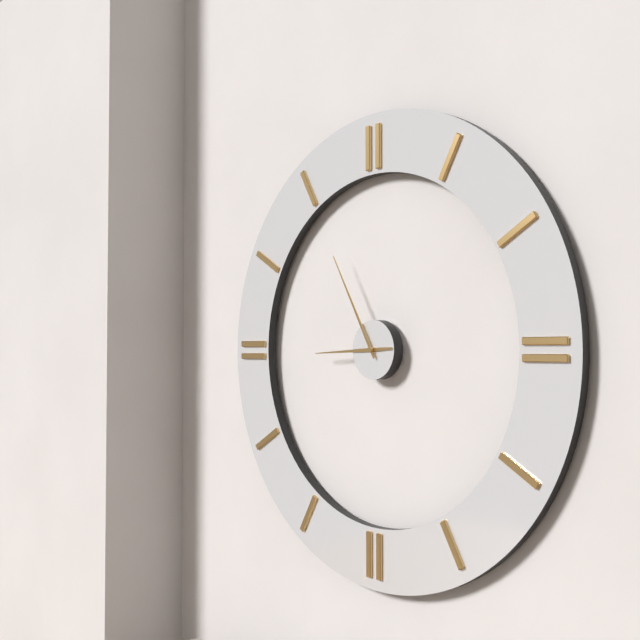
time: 8:55
